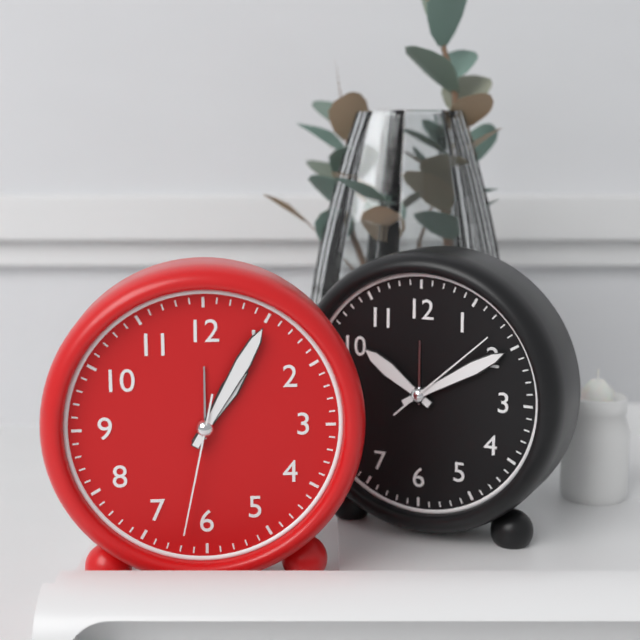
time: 1:05:32
